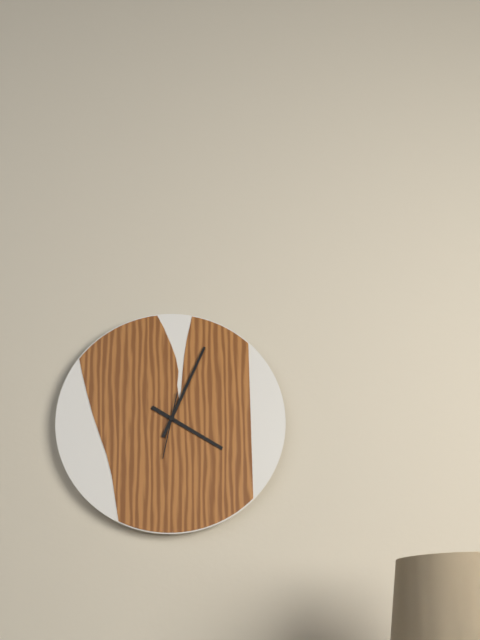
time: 4:04
